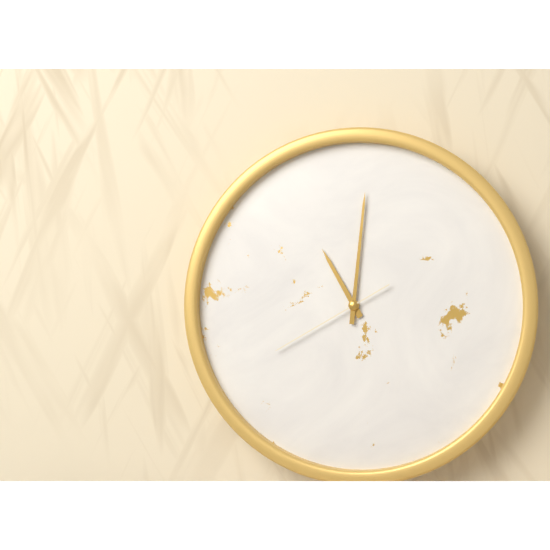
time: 11:01:40
